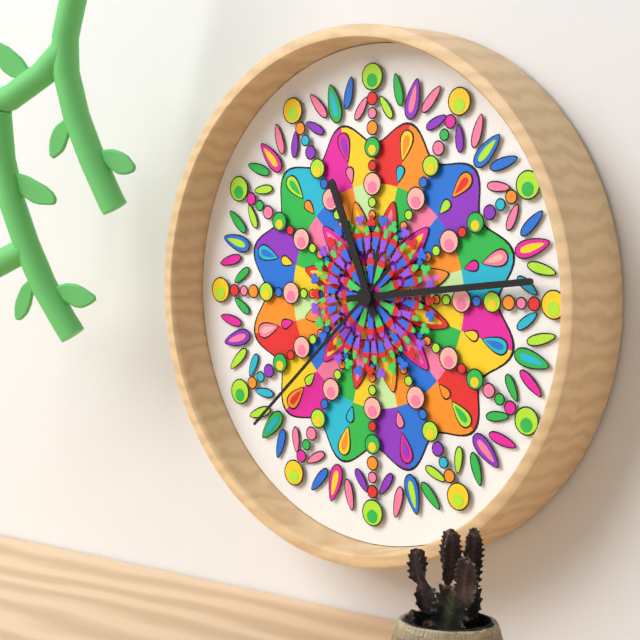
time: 11:14:38
